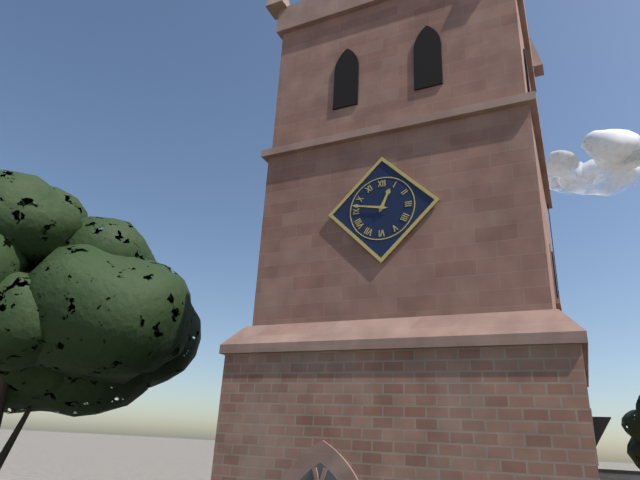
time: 12:47
